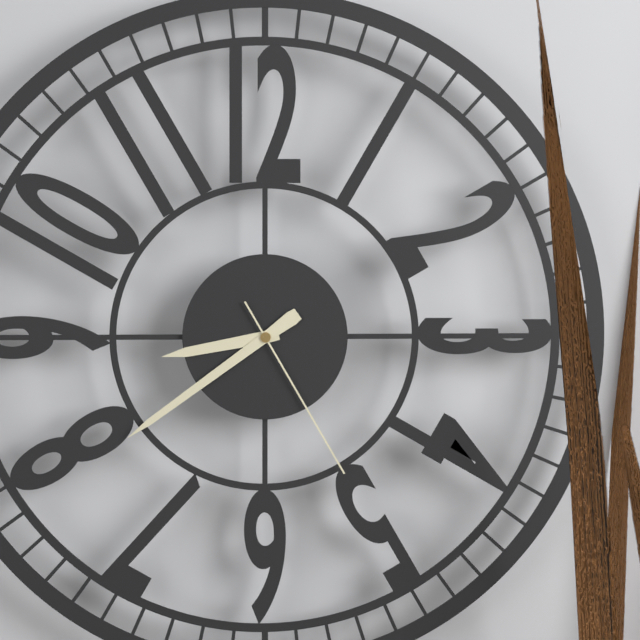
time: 8:39:25
